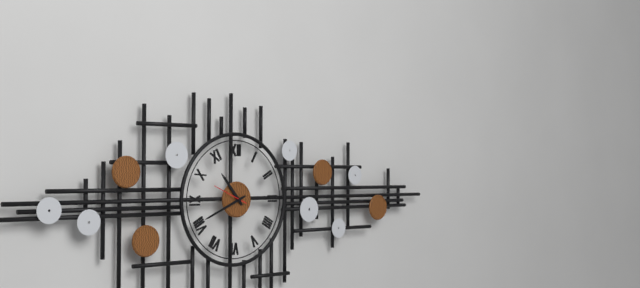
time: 10:41
